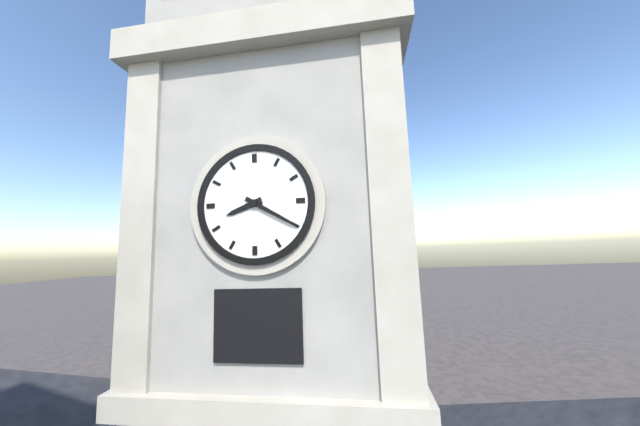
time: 8:20
